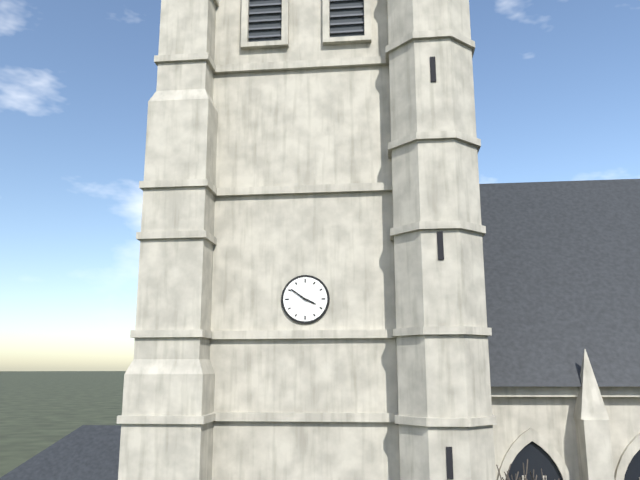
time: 3:51
